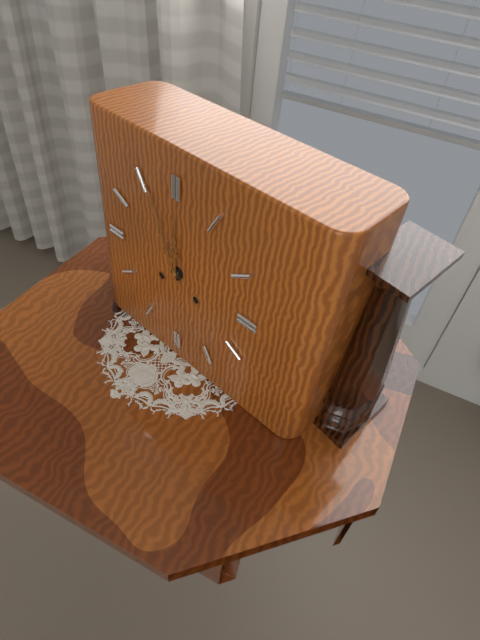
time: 11:56
